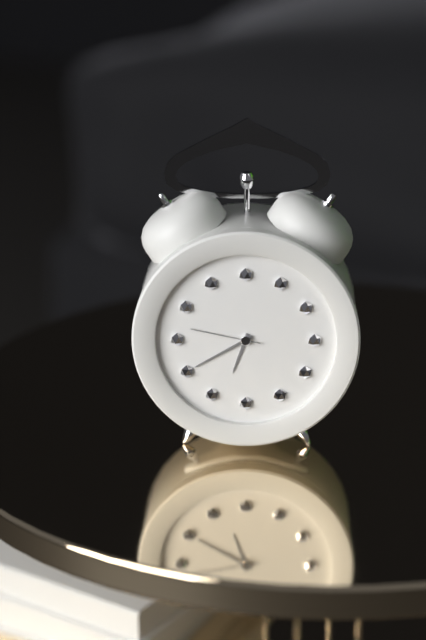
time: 6:40:47
